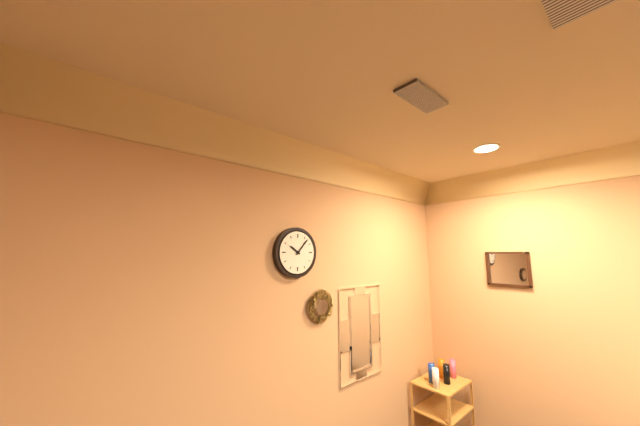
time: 10:07
